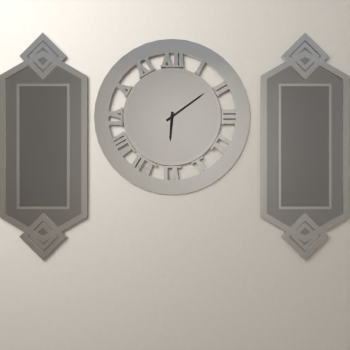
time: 6:09
